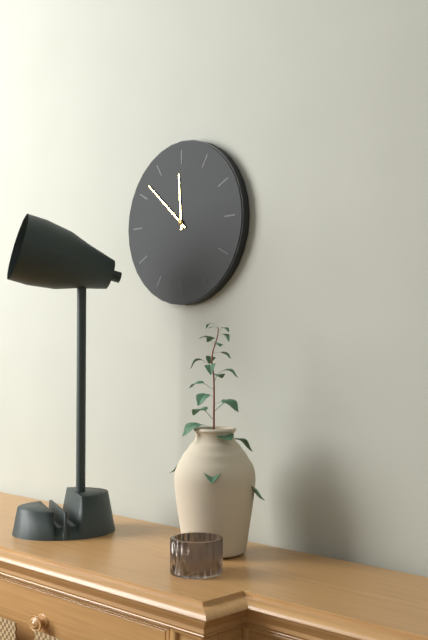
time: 11:52
